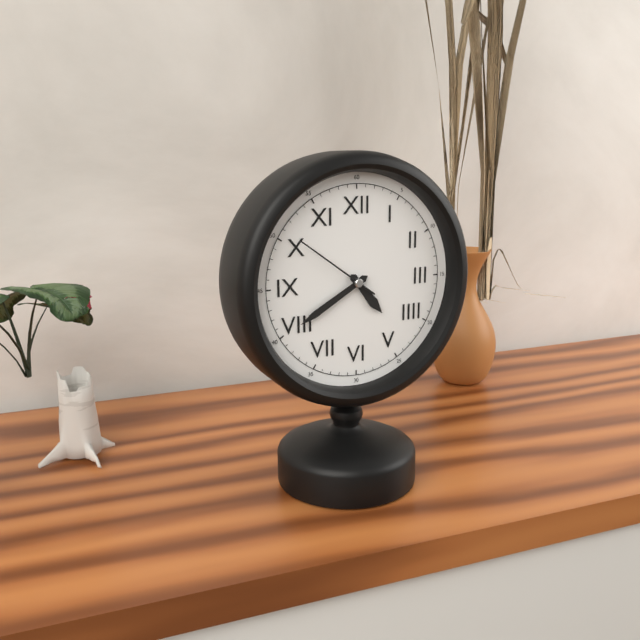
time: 4:40:51
